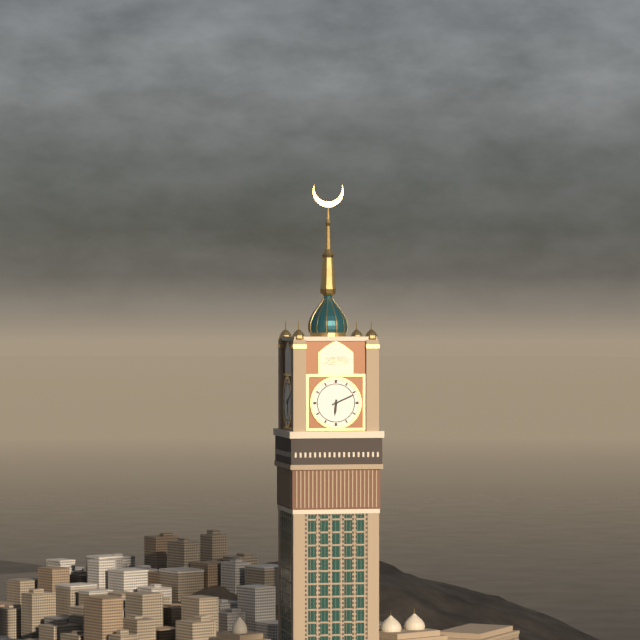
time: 6:11
